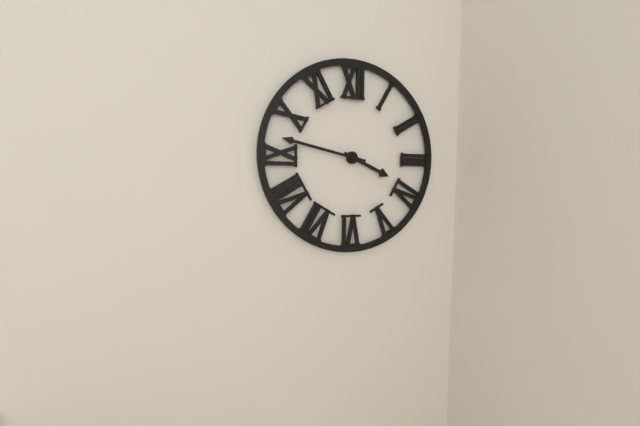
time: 3:47
